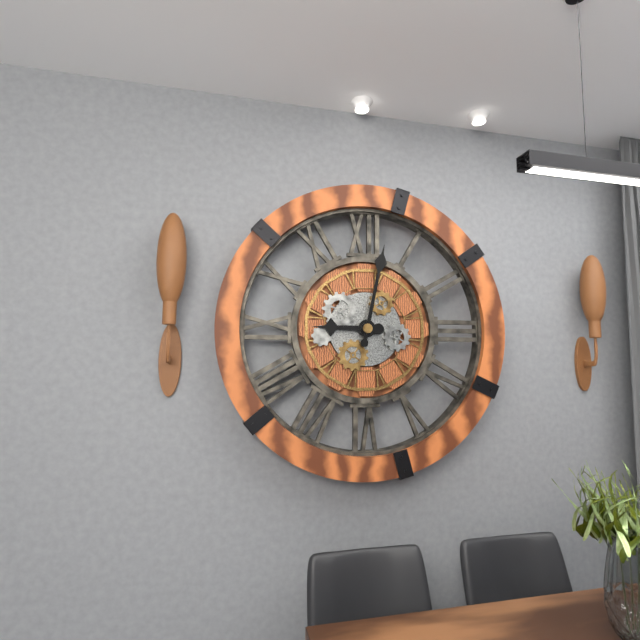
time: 9:02
